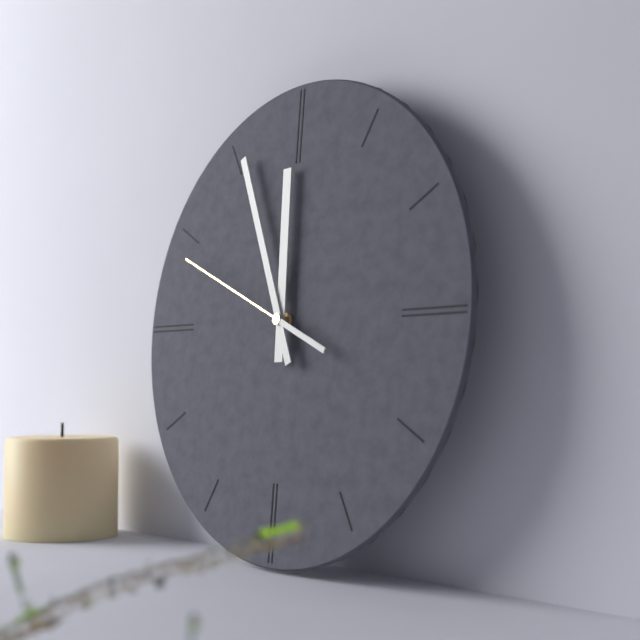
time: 11:56:49
